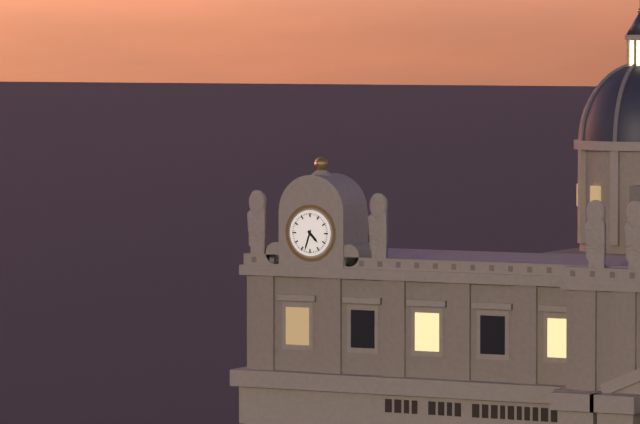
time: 4:33
